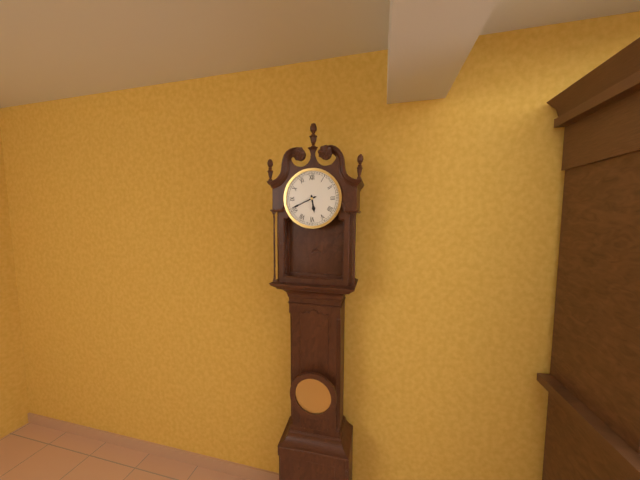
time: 5:41
